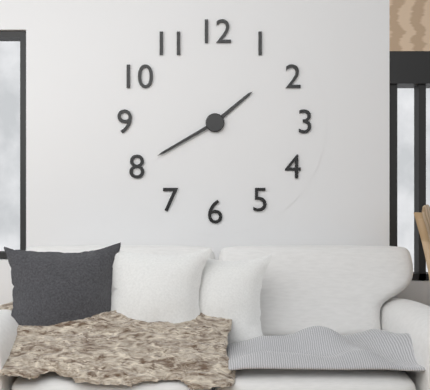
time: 1:40
